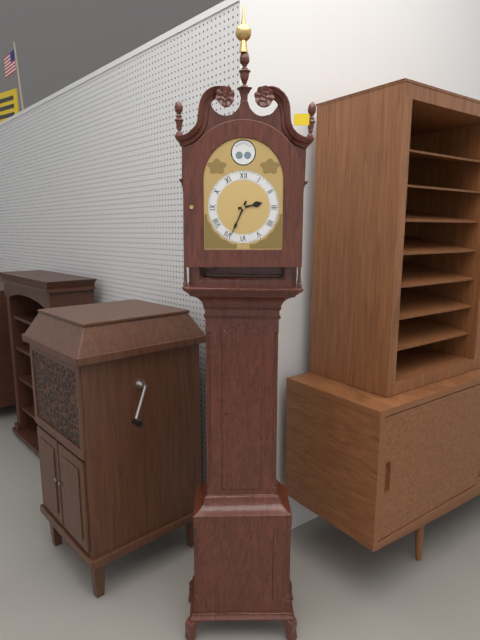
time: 2:34
